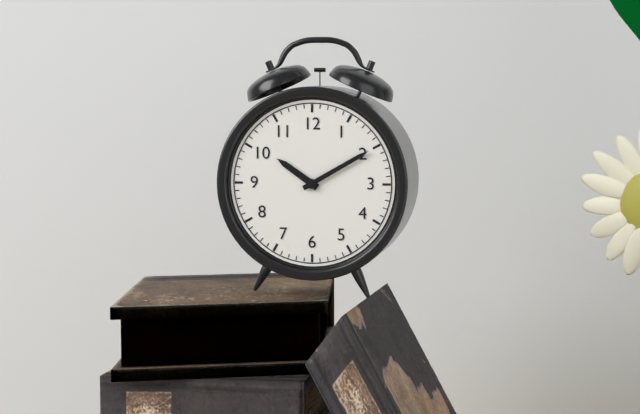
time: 10:10
